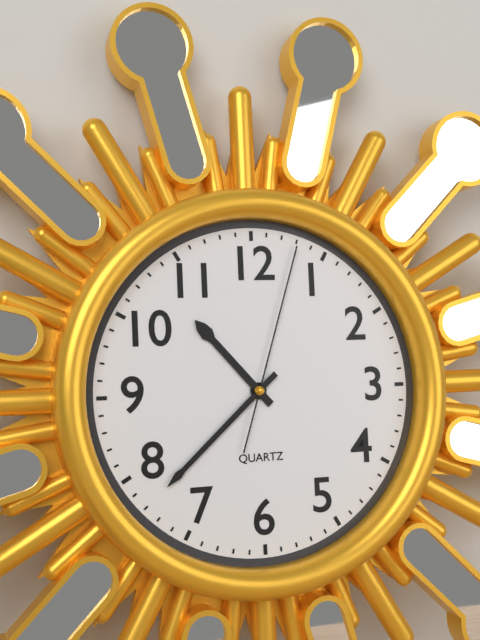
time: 10:38:03
